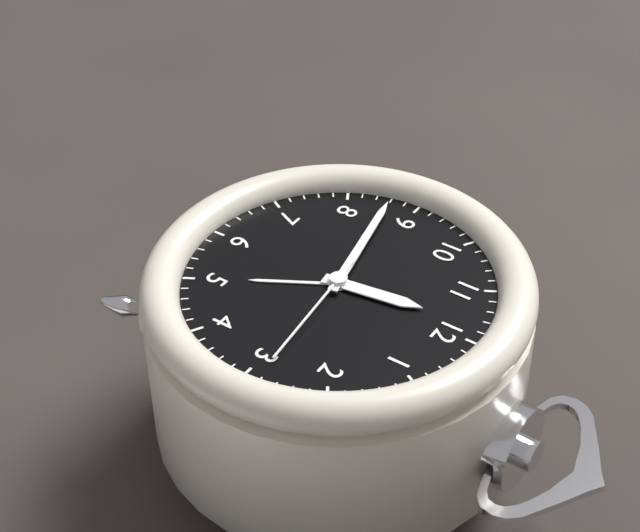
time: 11:43:14
